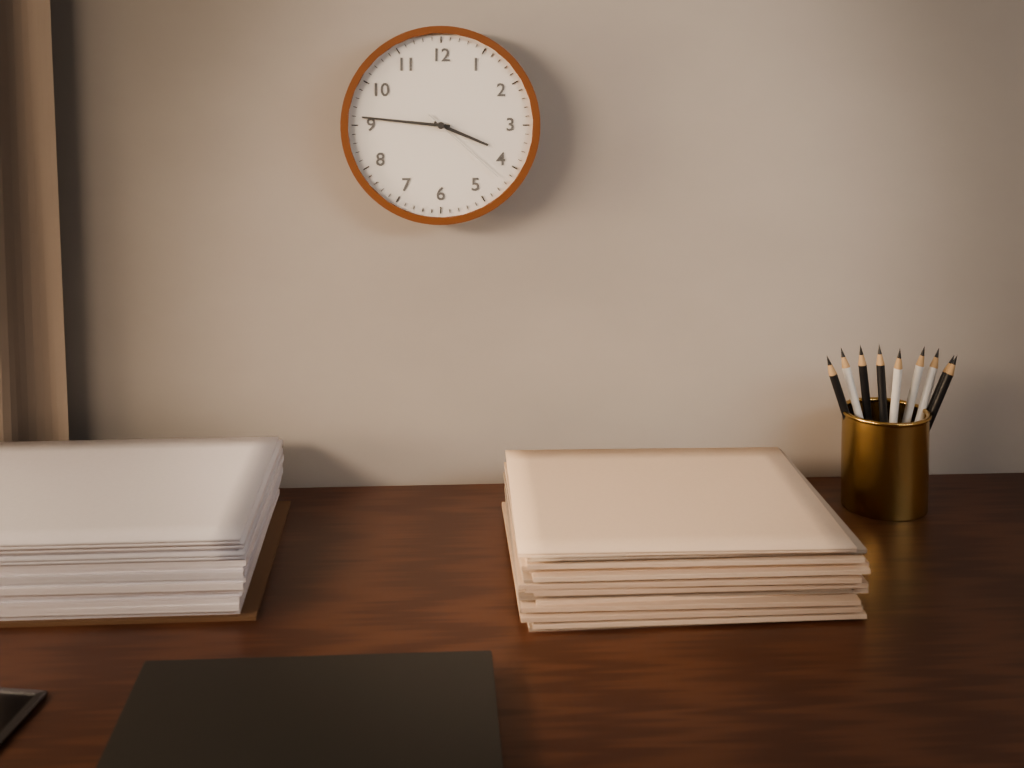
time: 3:46:22
